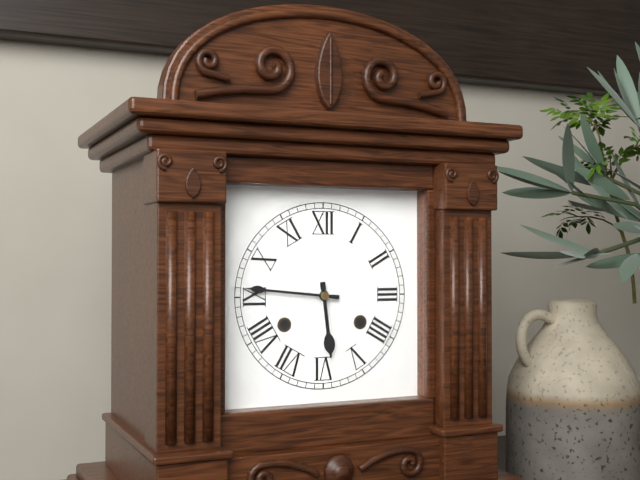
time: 5:46
